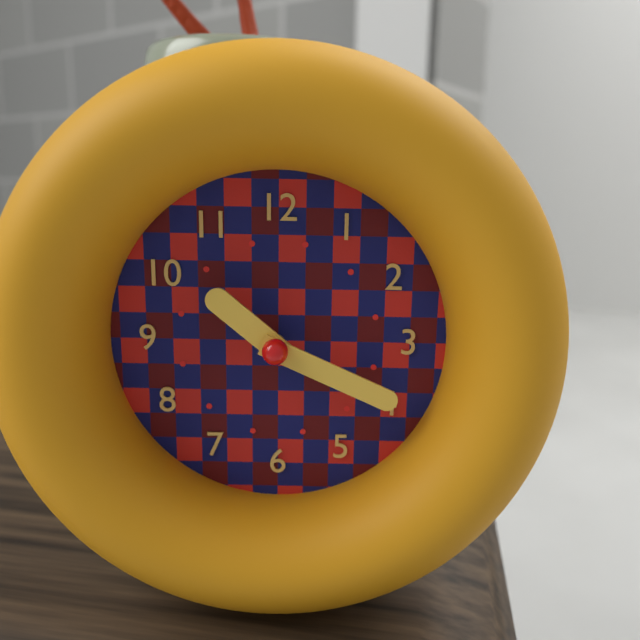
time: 10:19
